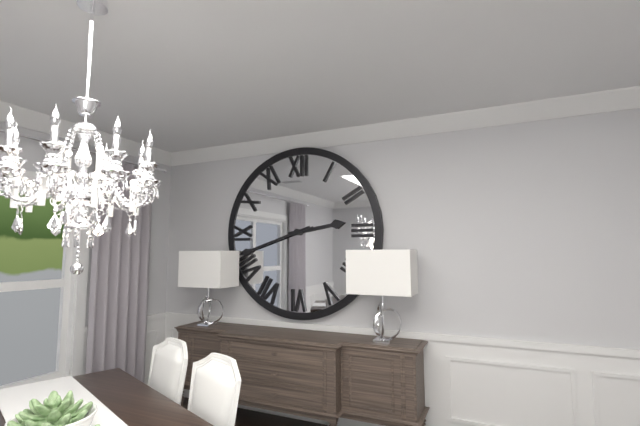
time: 2:42
